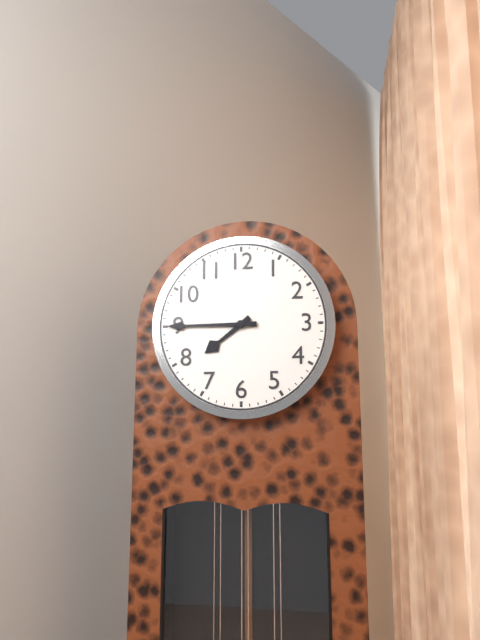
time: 7:45
